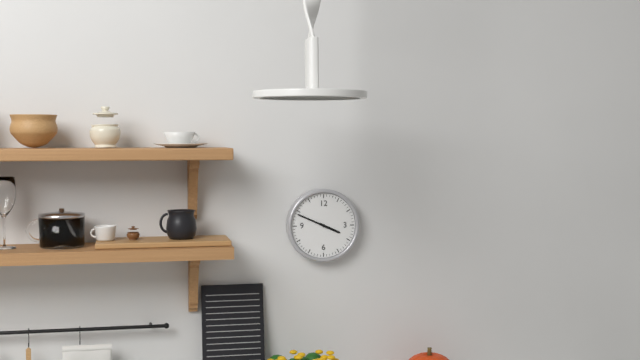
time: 3:49
